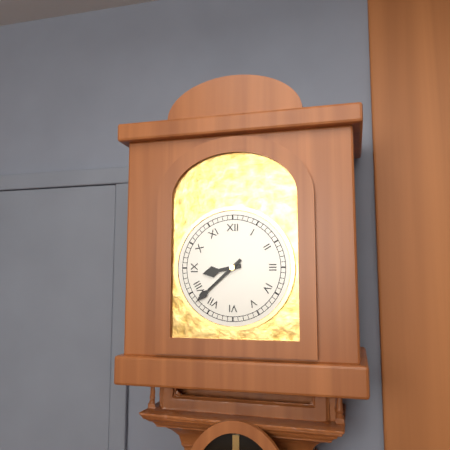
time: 8:38
